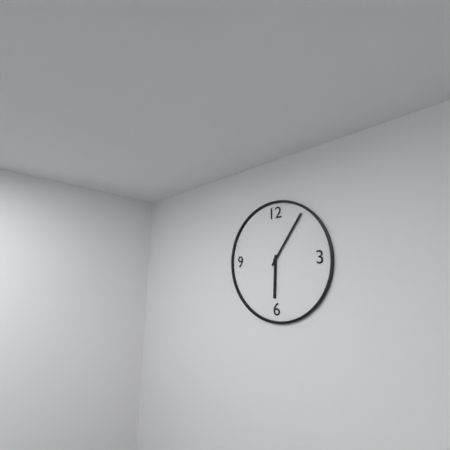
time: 6:06
